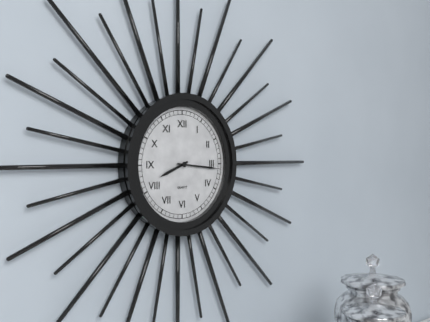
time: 8:16
